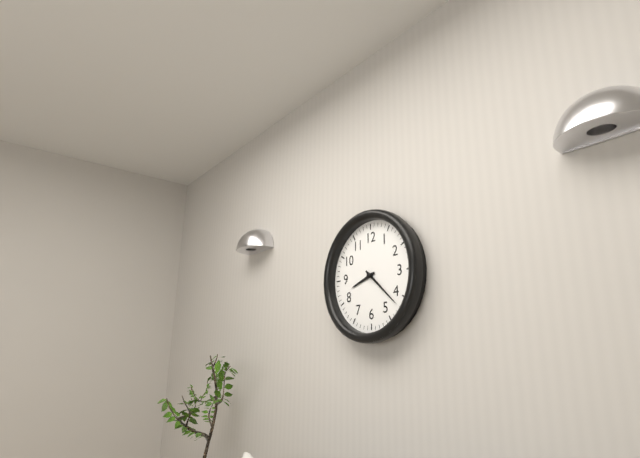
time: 8:22
